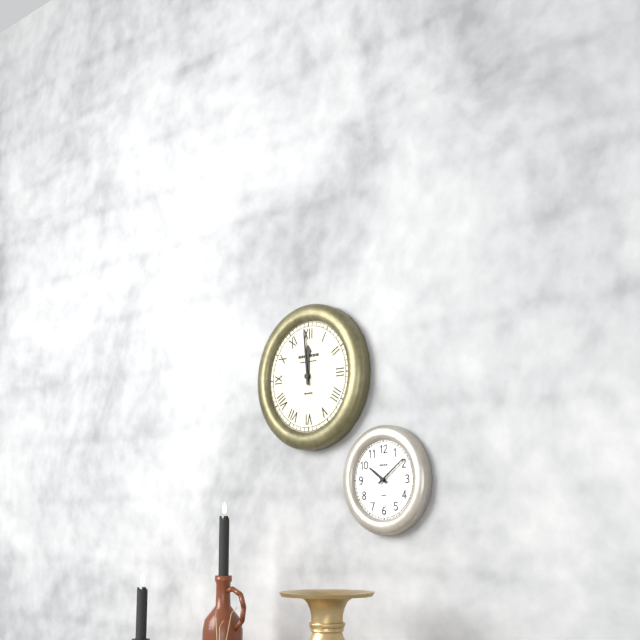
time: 11:59
